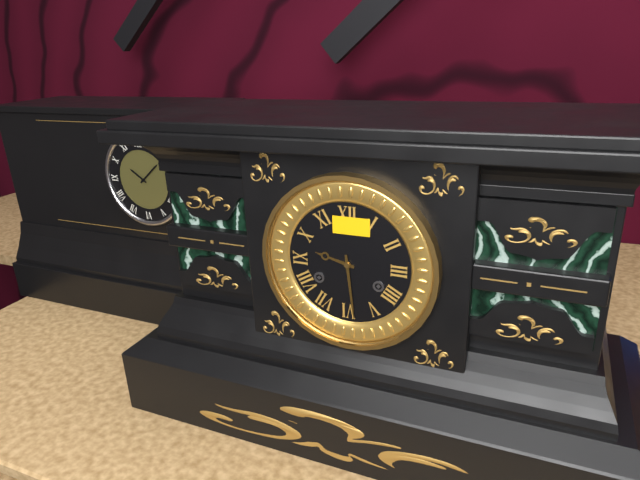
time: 9:29
